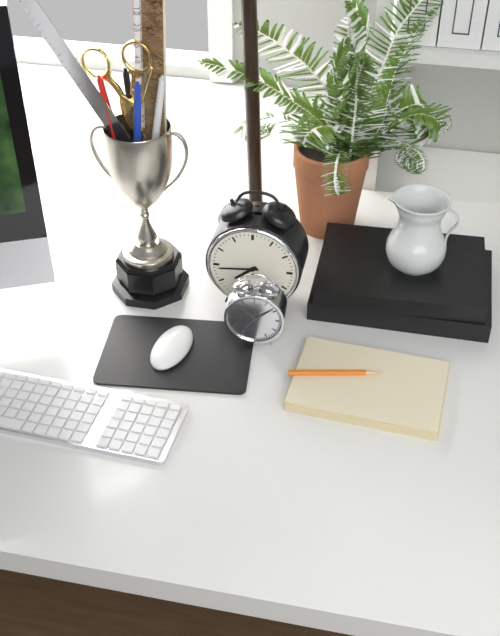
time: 7:44
